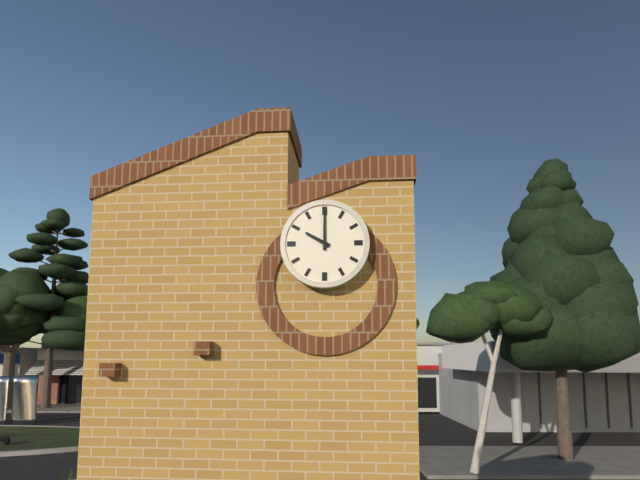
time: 10:00
